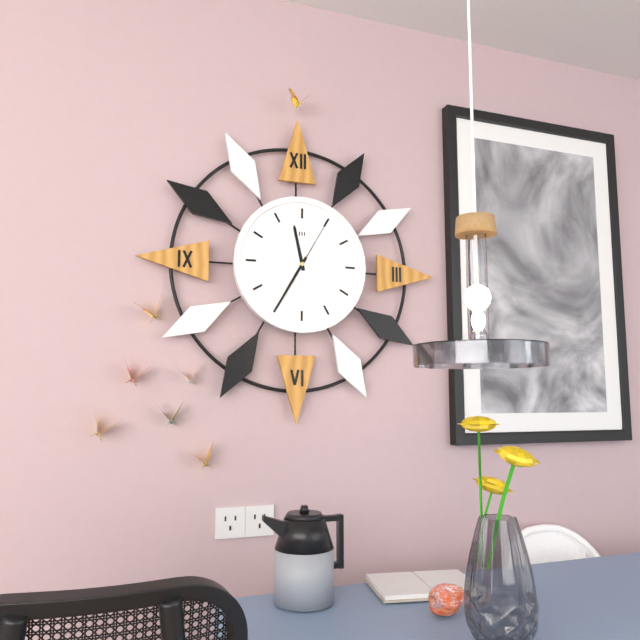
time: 11:35:05
